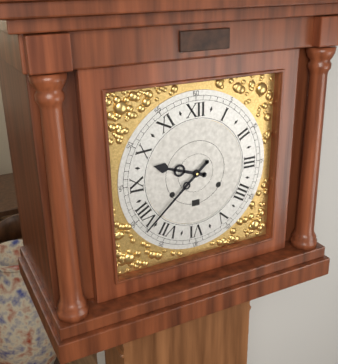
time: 9:38
